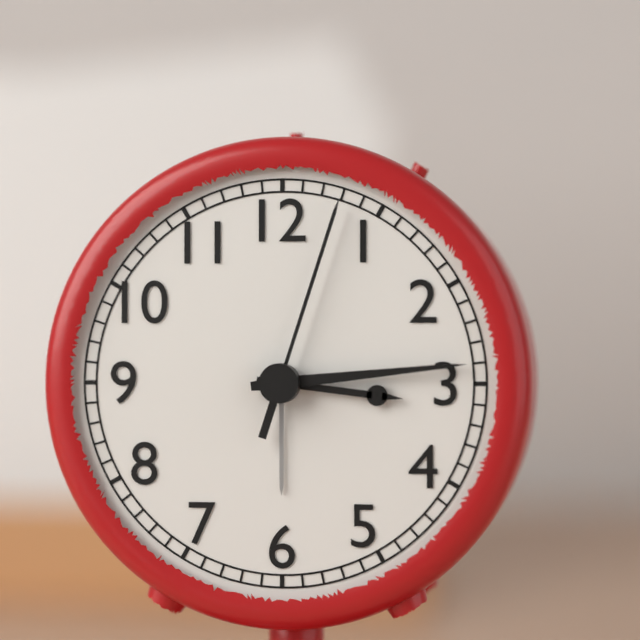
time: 3:14:03
